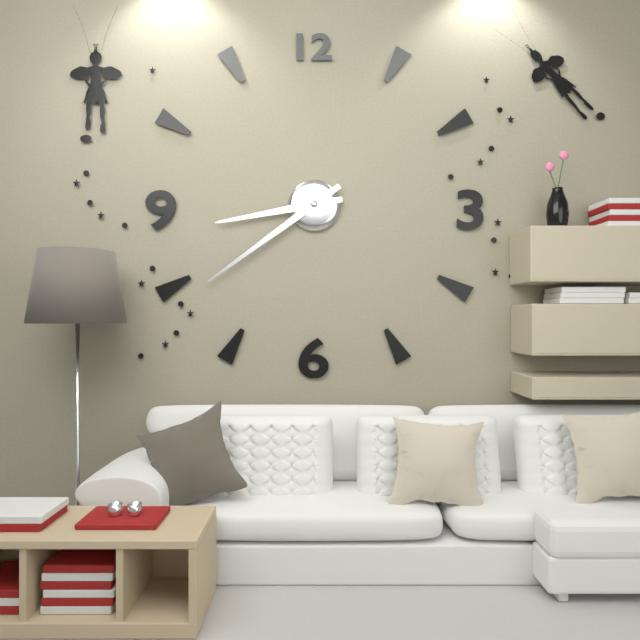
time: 8:39
